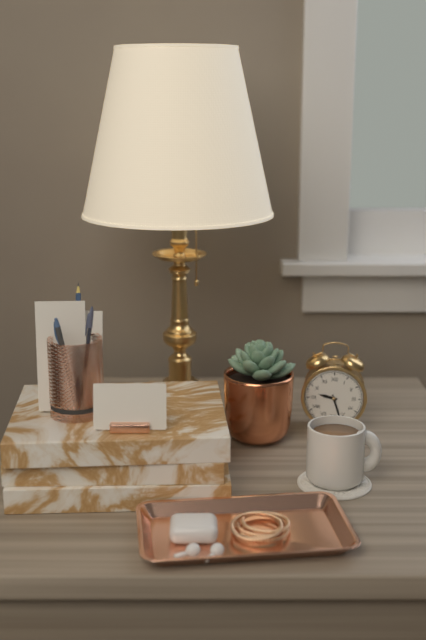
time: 9:27
